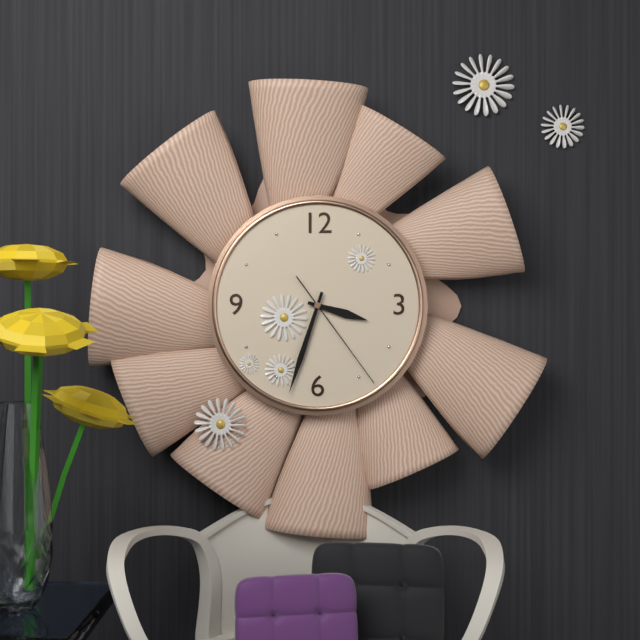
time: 3:33:24
